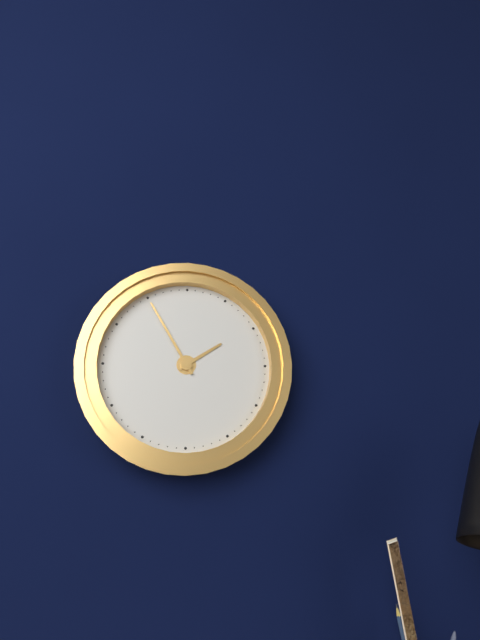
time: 1:55
